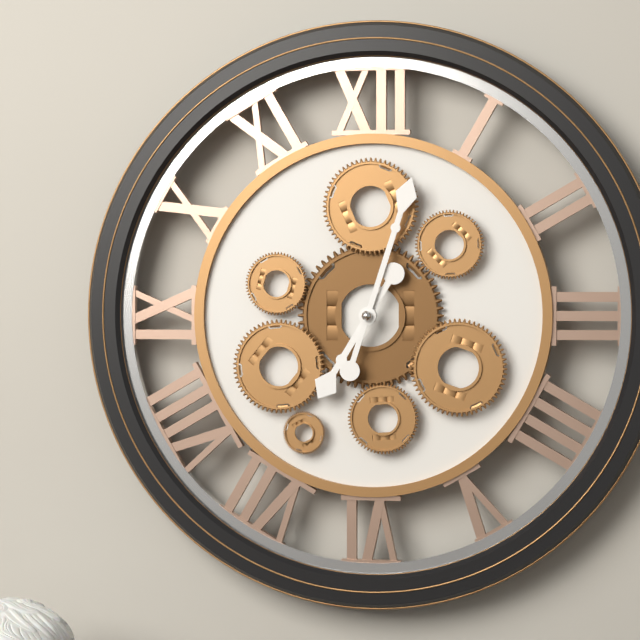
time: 7:03
